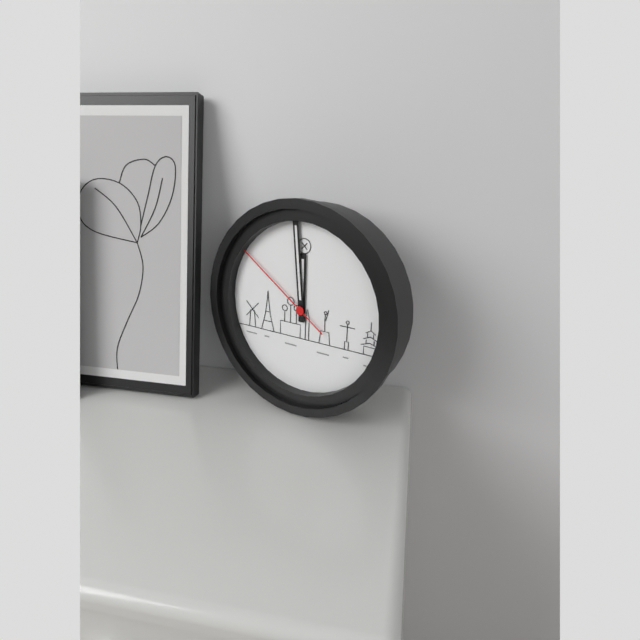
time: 11:59:51
